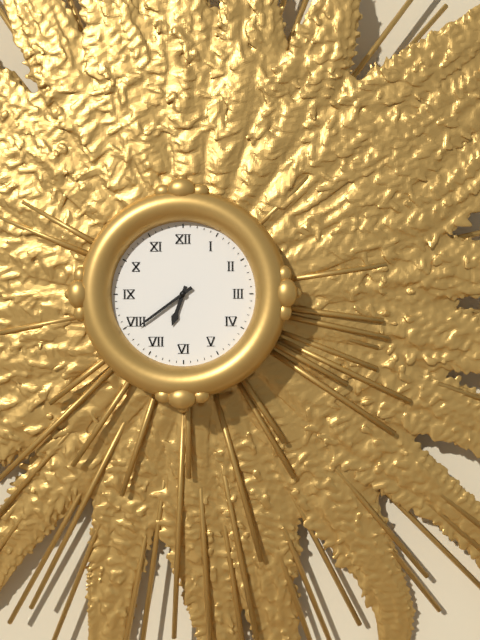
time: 6:39
